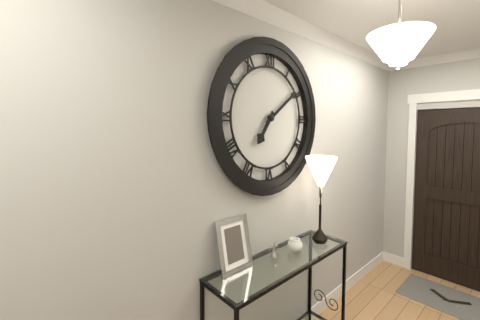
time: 7:09
